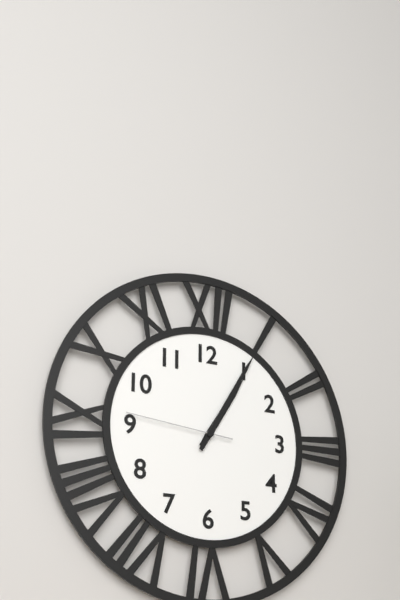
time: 1:05:46
